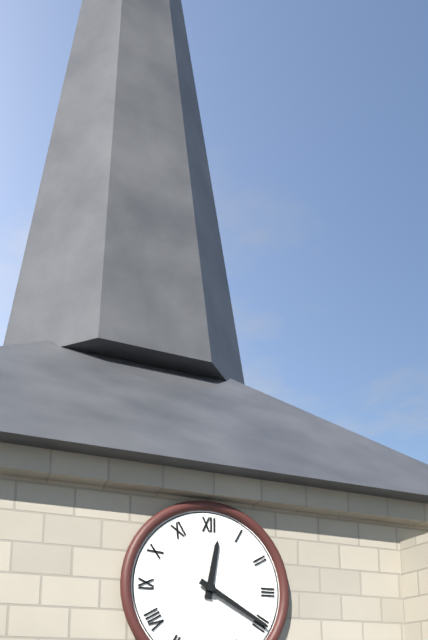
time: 12:20
